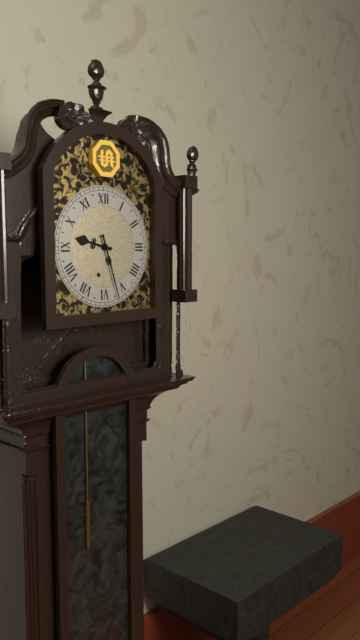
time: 9:27
